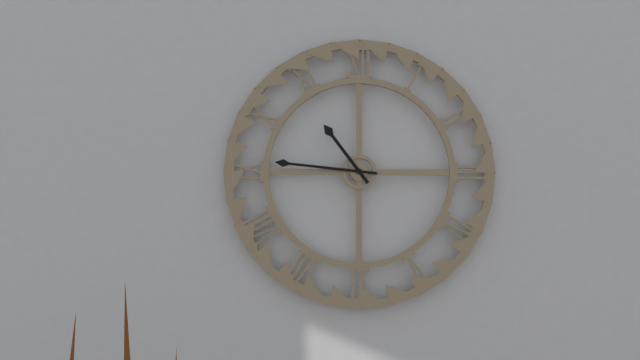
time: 10:46
